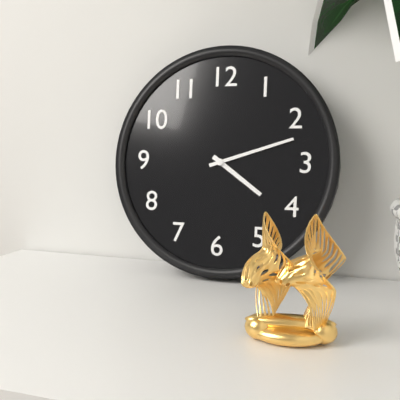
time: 4:12
